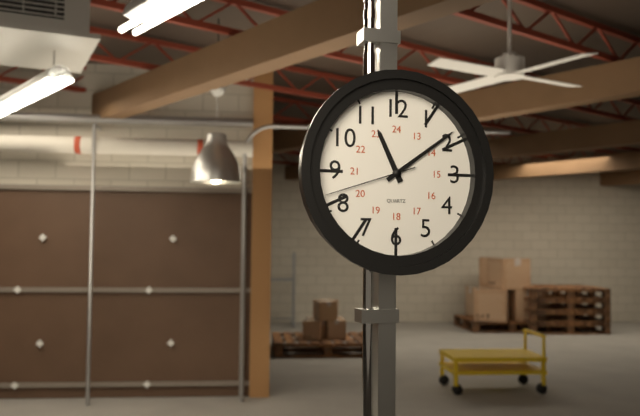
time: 11:09:42
